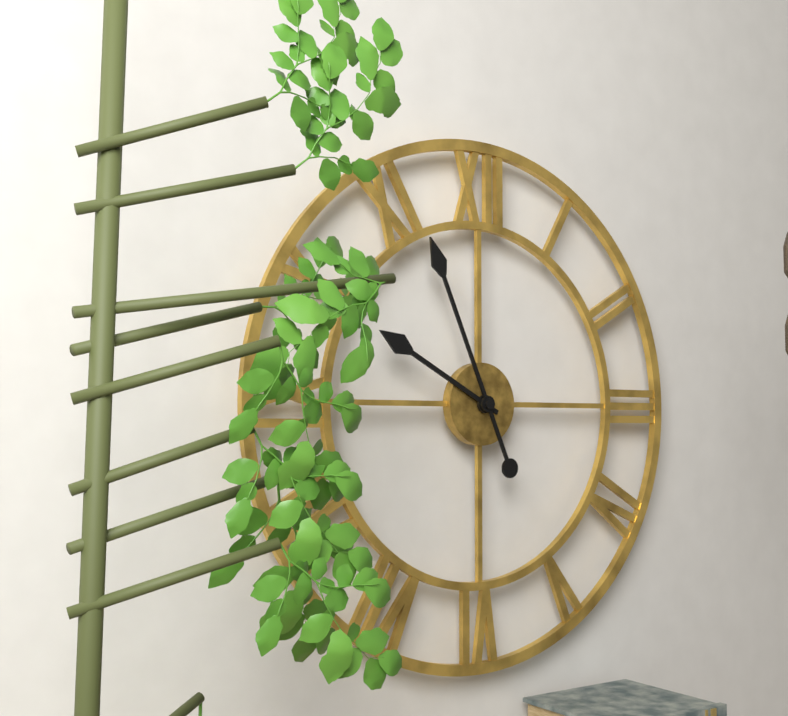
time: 9:56
